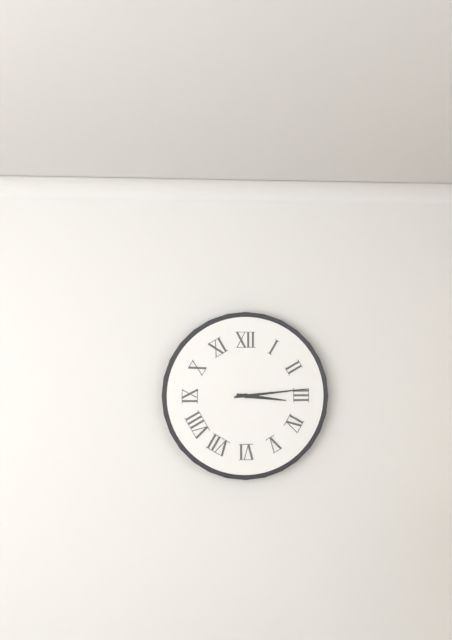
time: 3:14
